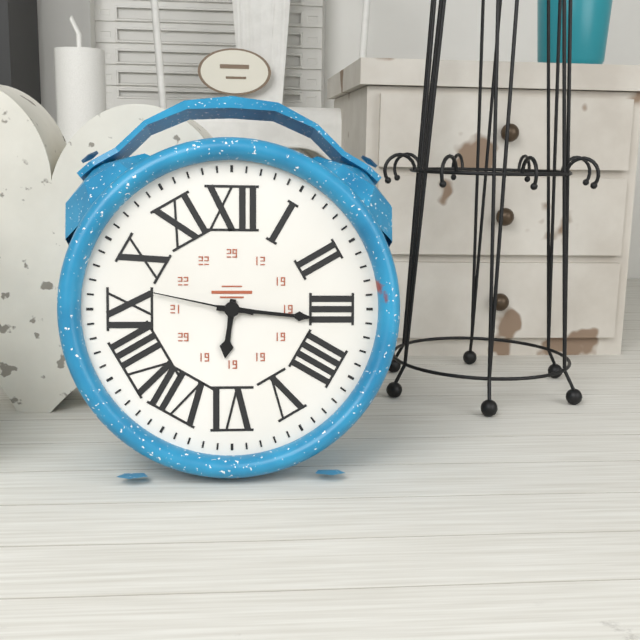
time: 6:16:47
